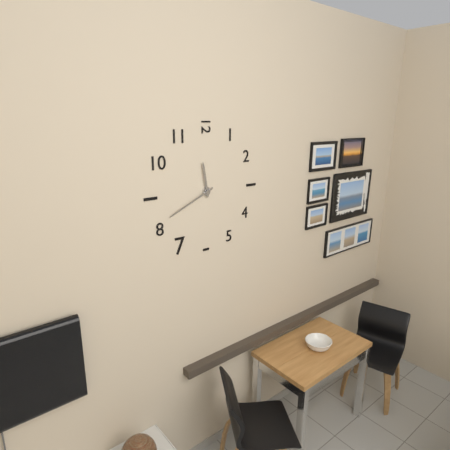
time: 11:41
